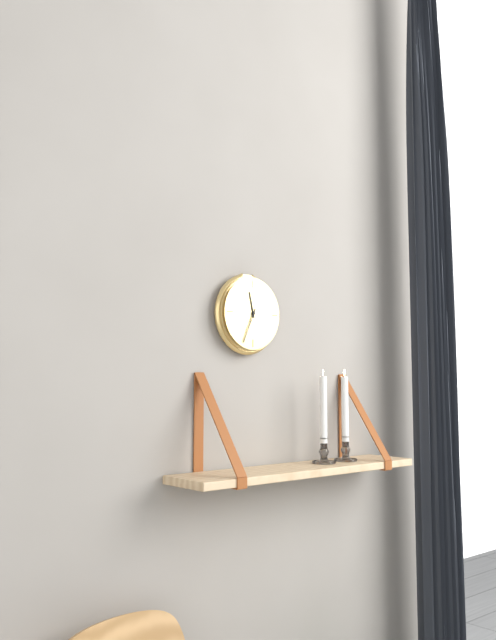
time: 11:34
